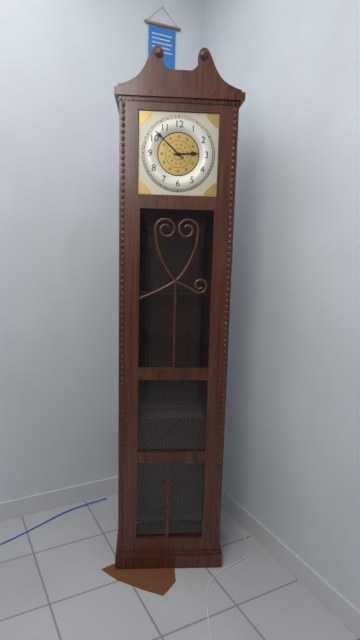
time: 2:52
